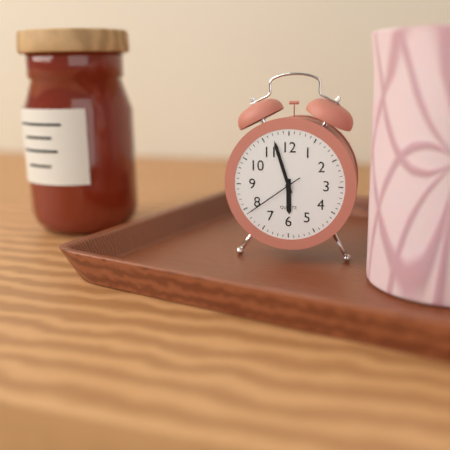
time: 5:57:39
